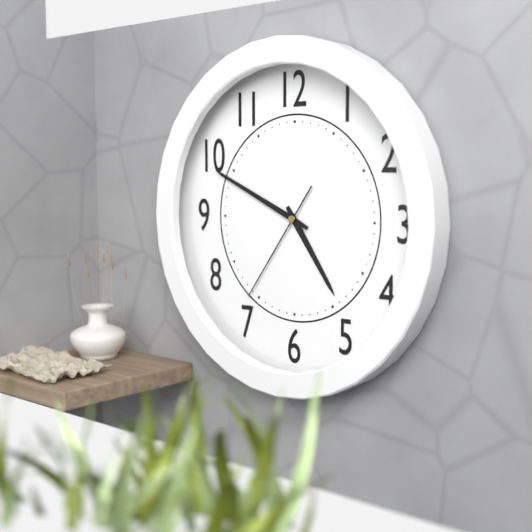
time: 4:49:36
